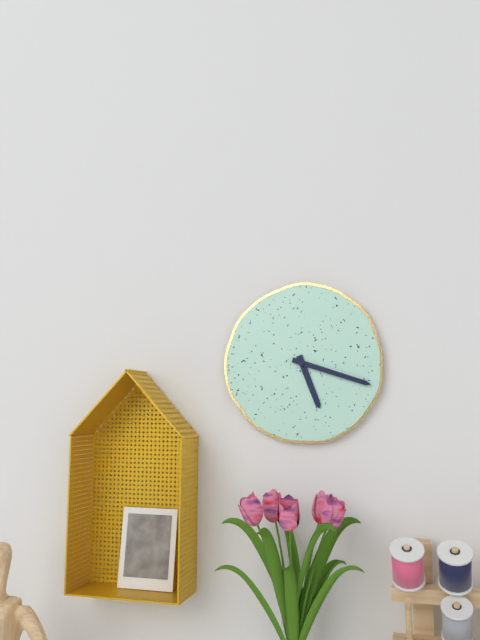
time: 5:18
